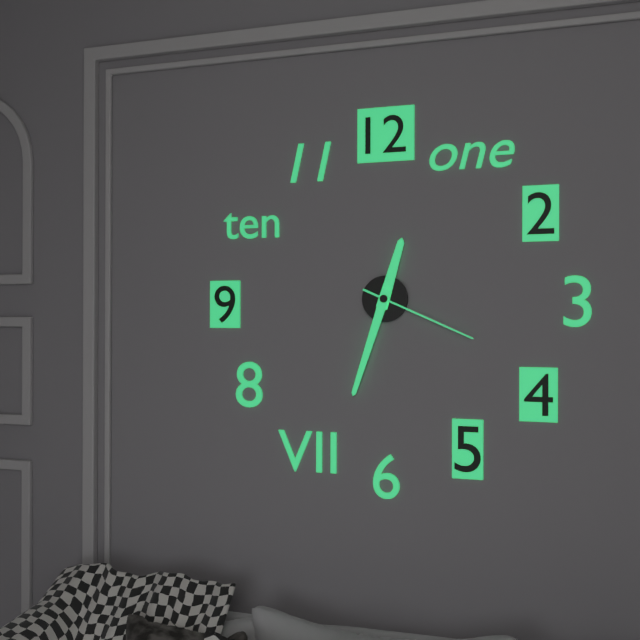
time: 12:33:19
